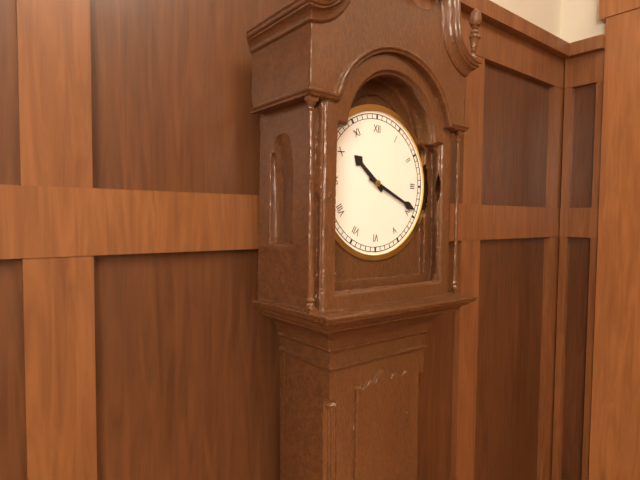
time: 10:19
